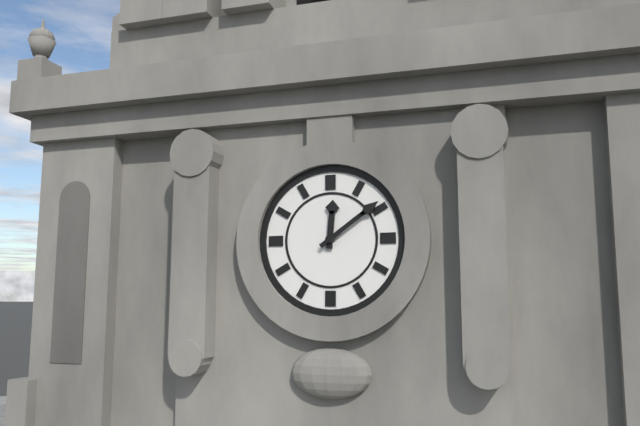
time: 12:09
